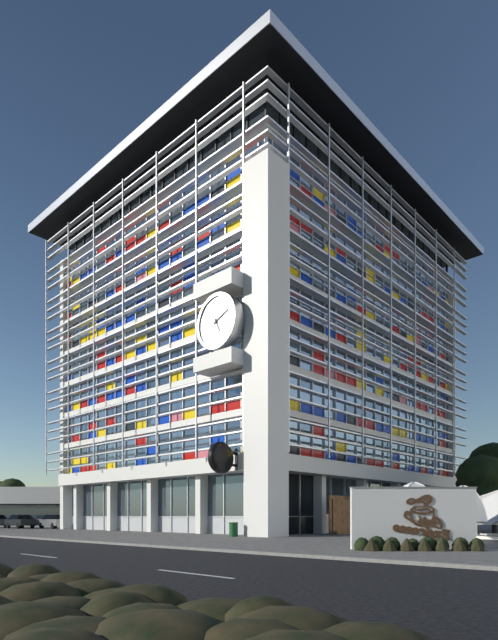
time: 5:11
